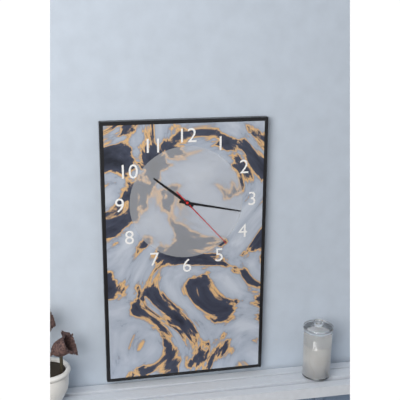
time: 10:17:23
